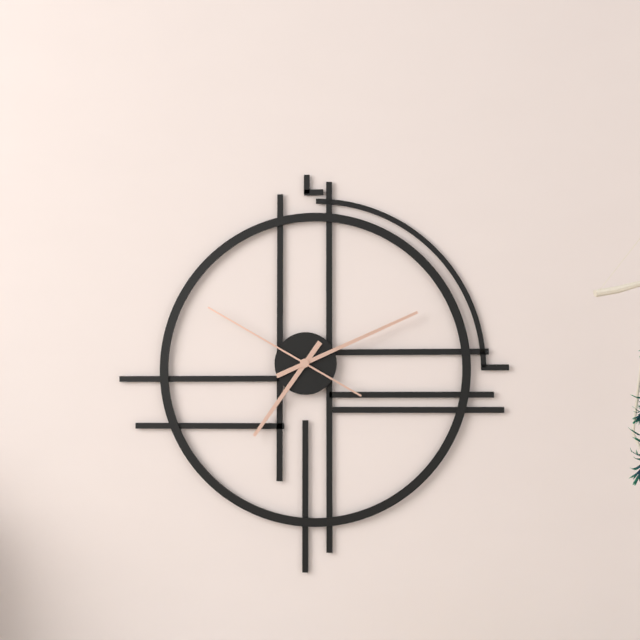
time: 7:11:50
